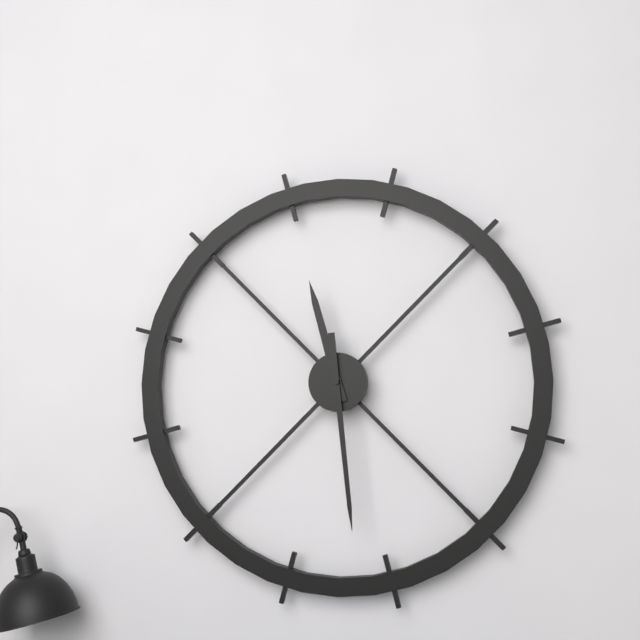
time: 11:29
